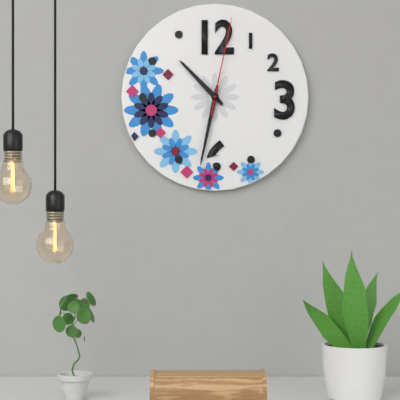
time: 10:32:02
